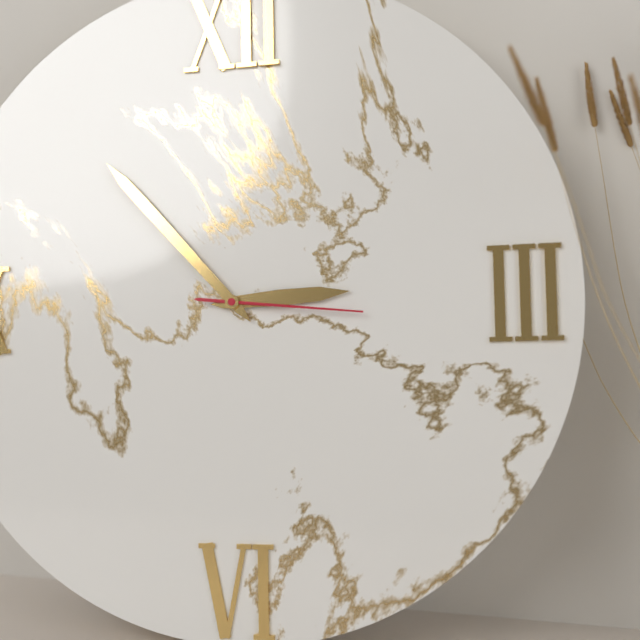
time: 2:53:16
